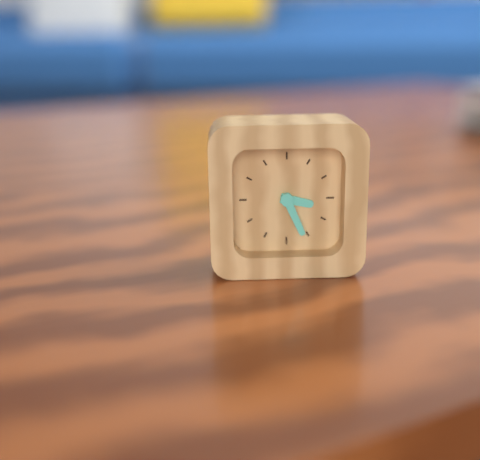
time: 3:26
